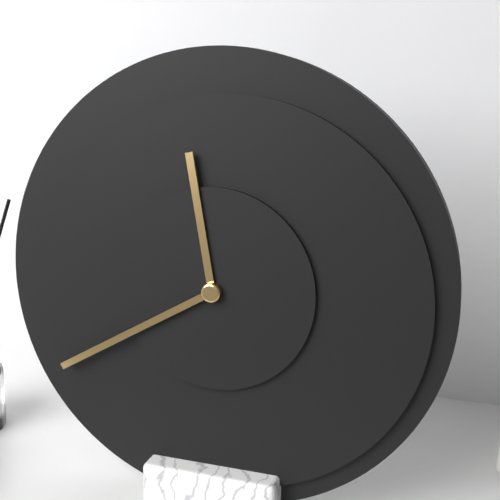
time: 11:40
